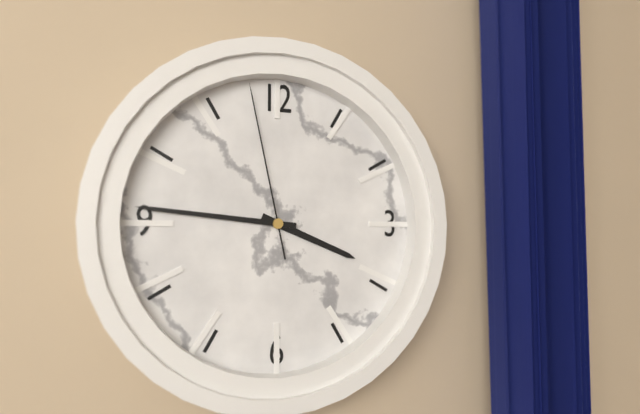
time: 3:46:58
